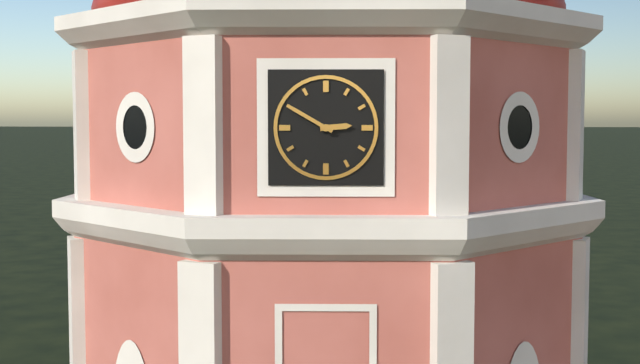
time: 2:50
